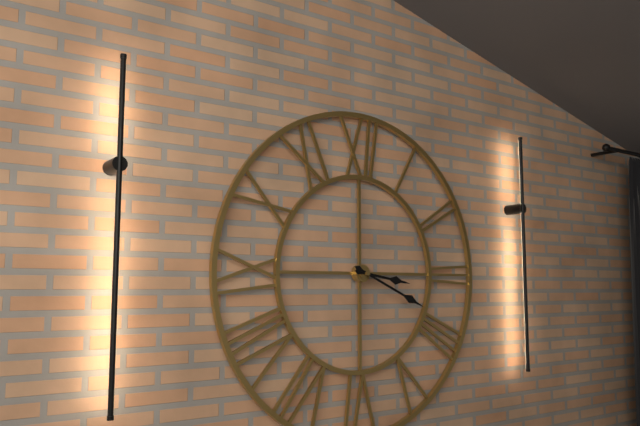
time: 3:19
